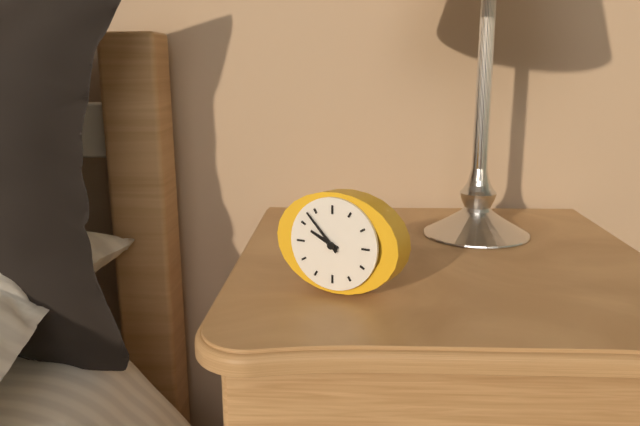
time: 9:53
